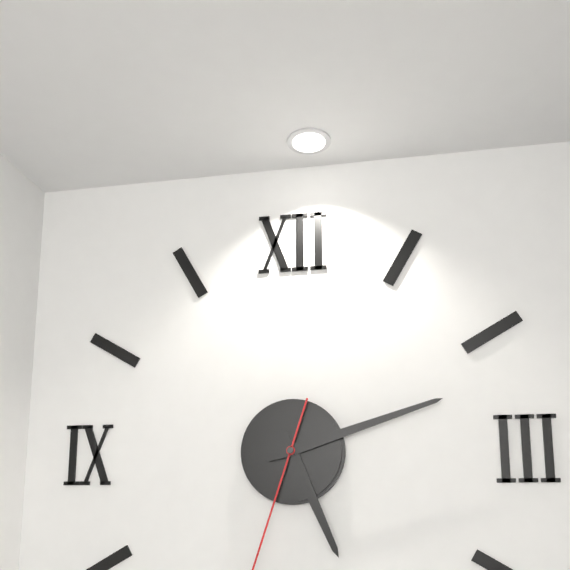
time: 5:12
